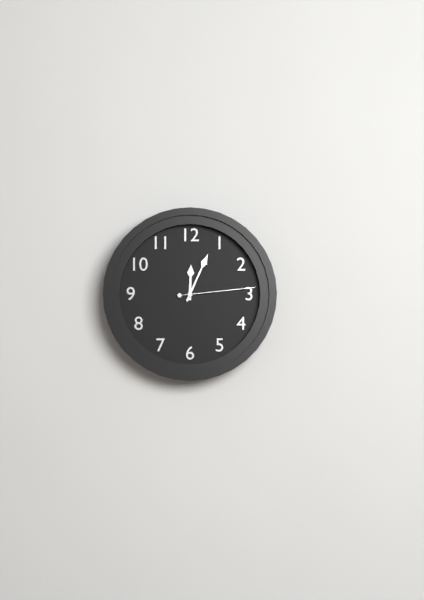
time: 12:04:14
